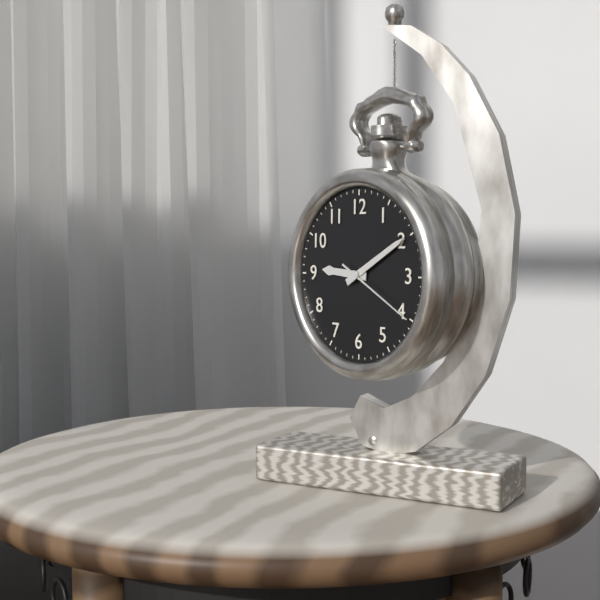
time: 9:10:20
